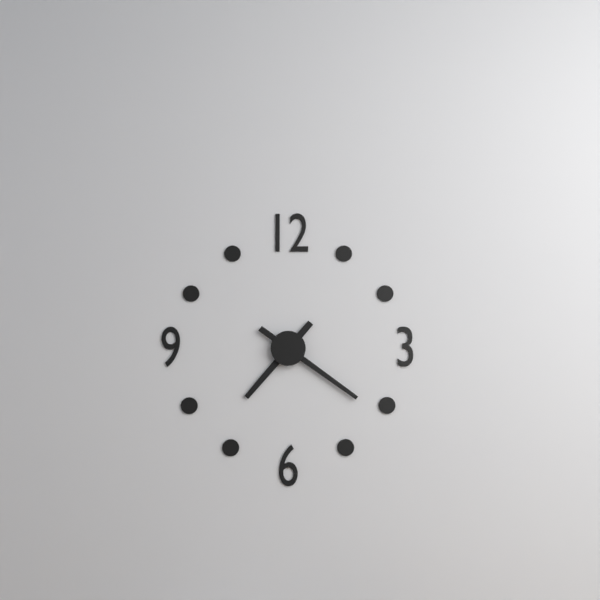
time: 7:21
